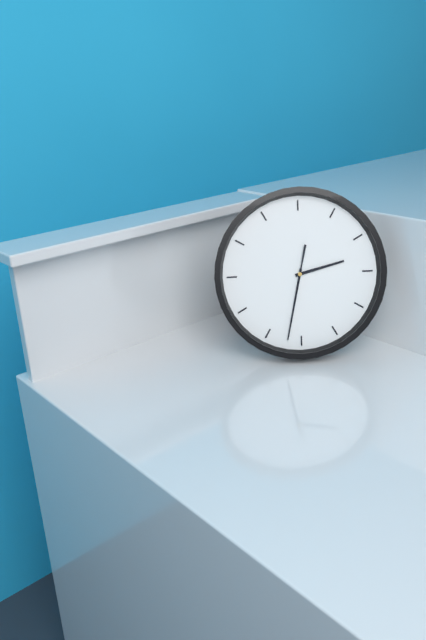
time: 2:32:32
